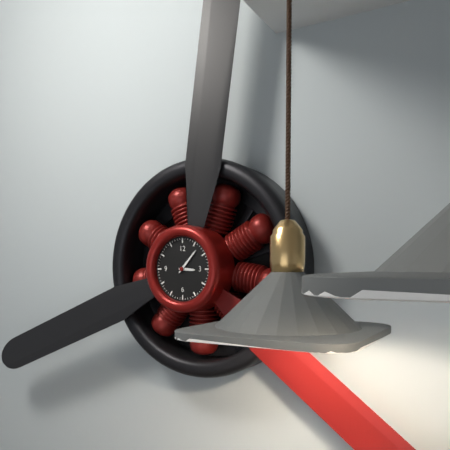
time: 3:07
